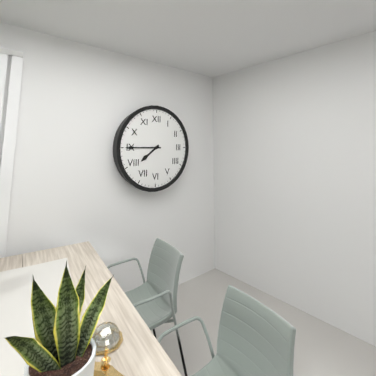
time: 7:45
